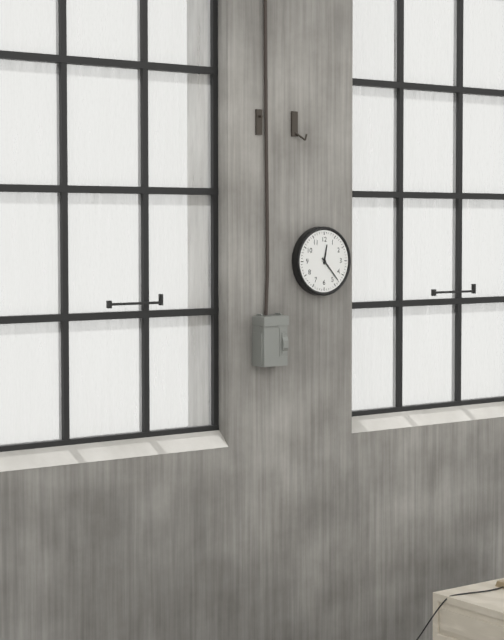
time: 12:23
